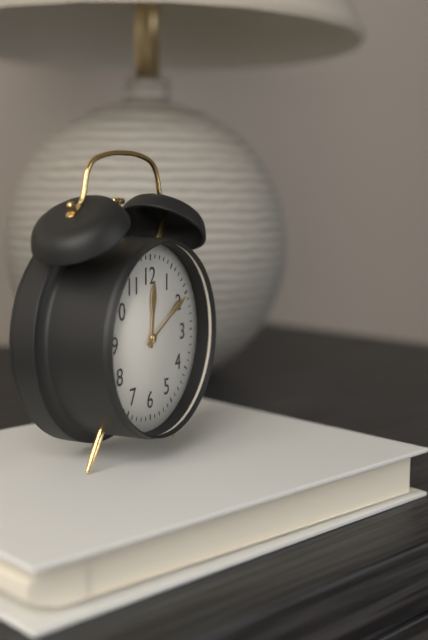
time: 12:10
